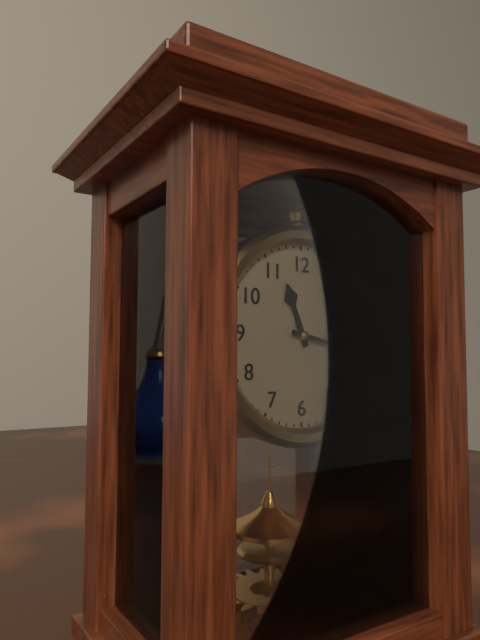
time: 11:17
